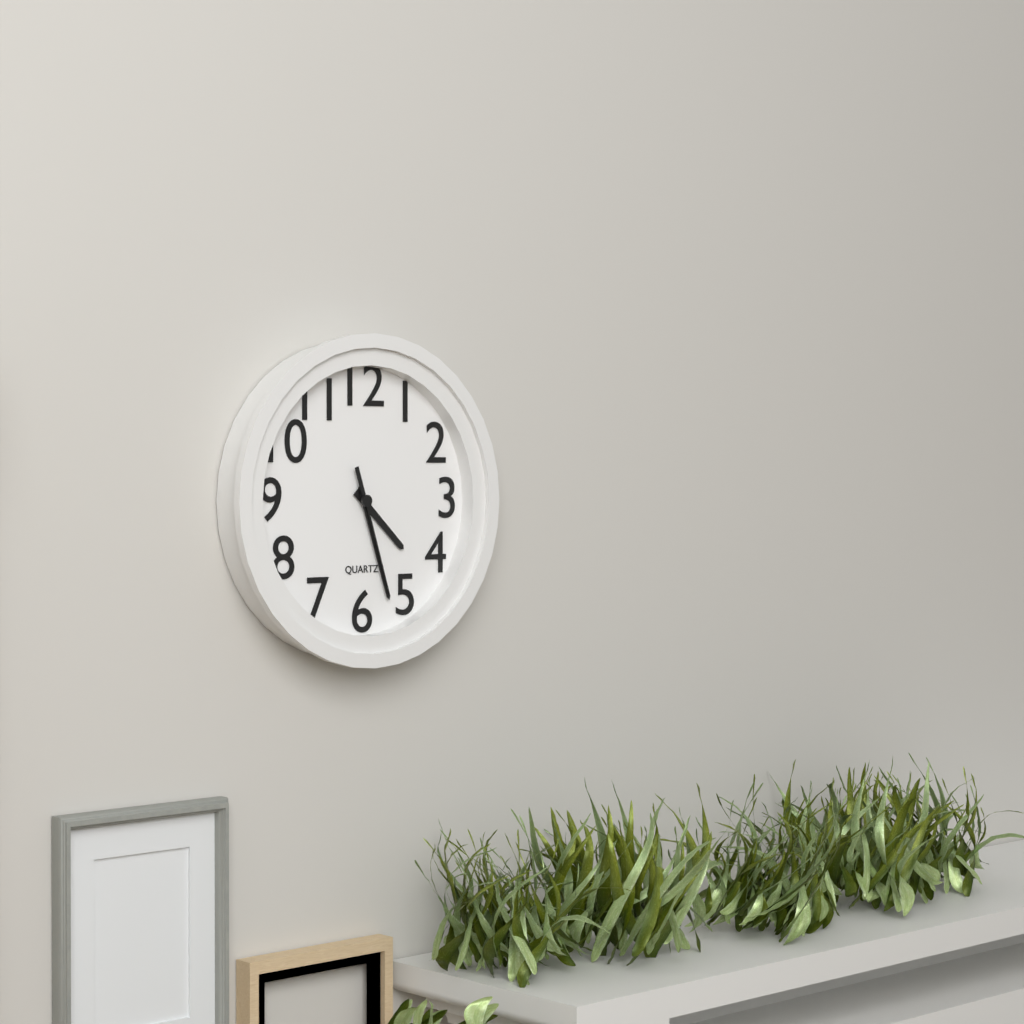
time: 4:27:27
